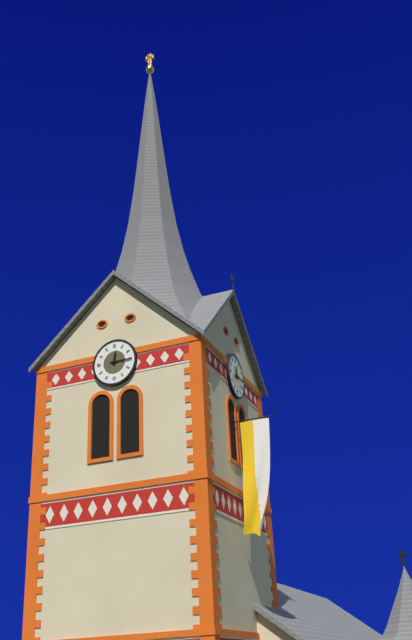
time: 12:15
